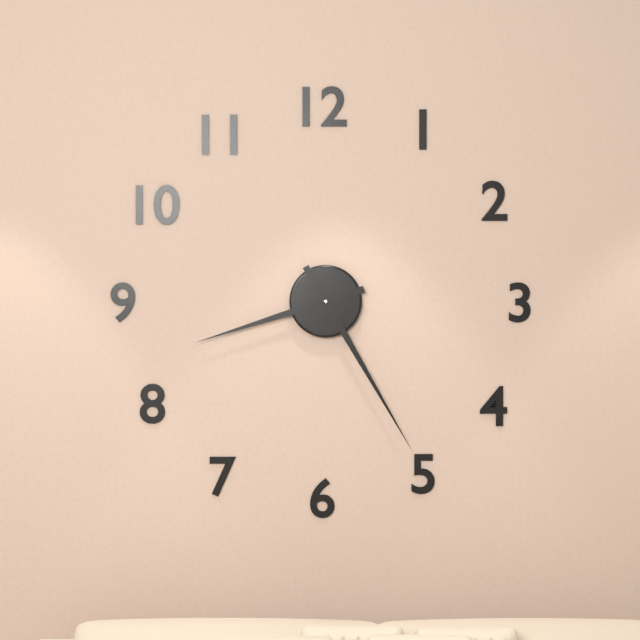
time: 8:25
